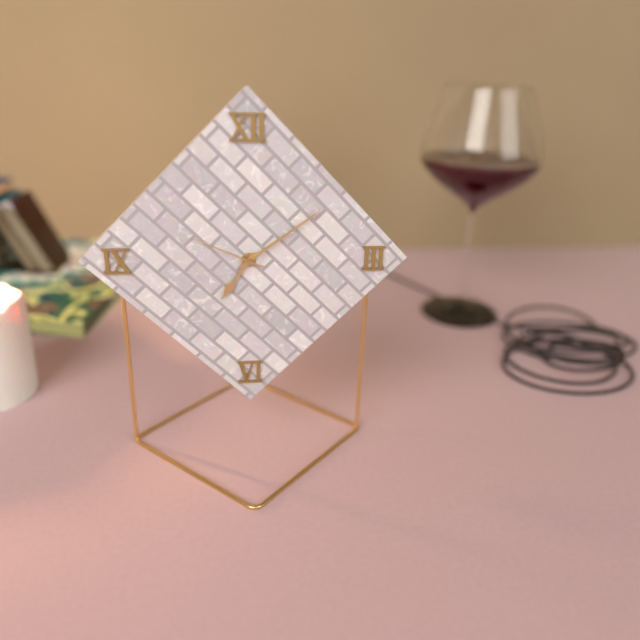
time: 7:09:49
